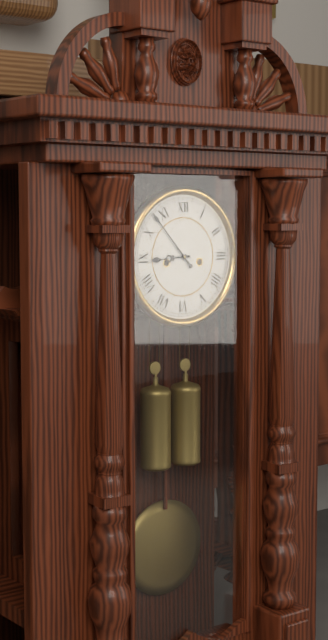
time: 8:53
